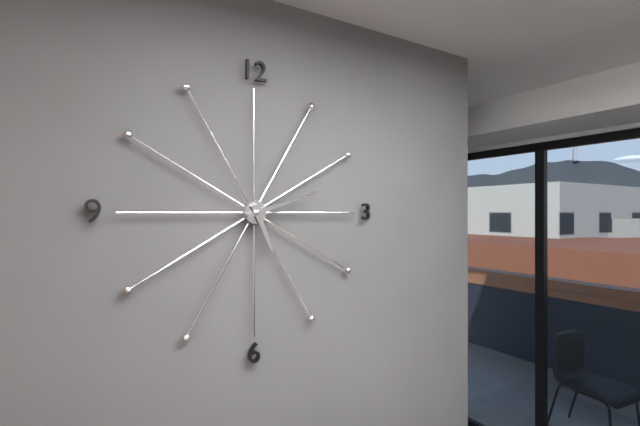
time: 5:12
